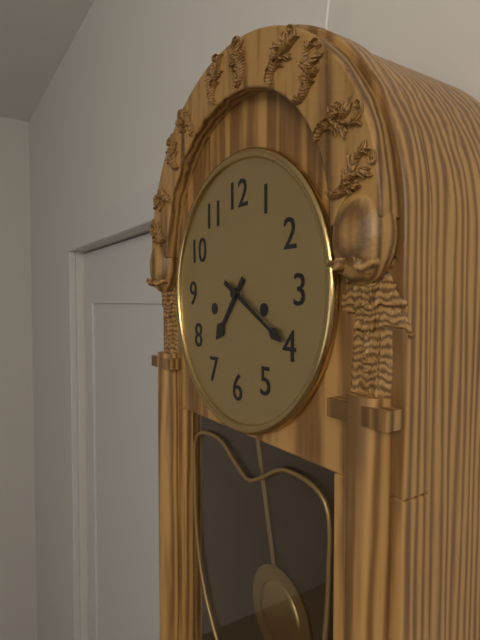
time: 7:20
